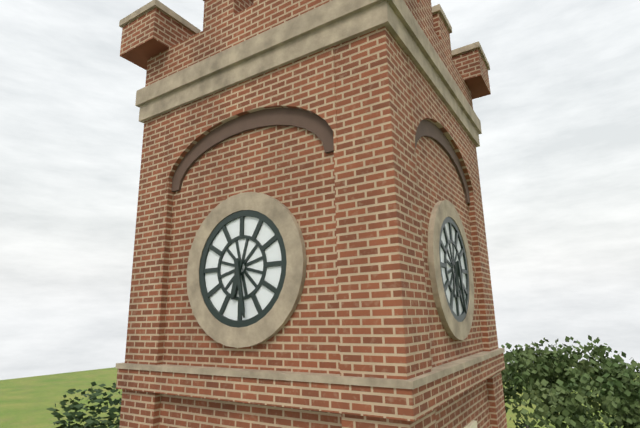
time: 6:28
